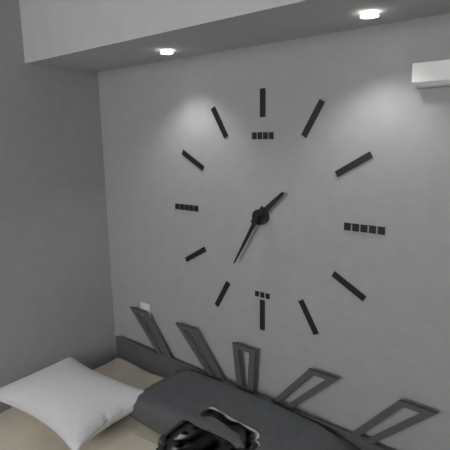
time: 1:35
